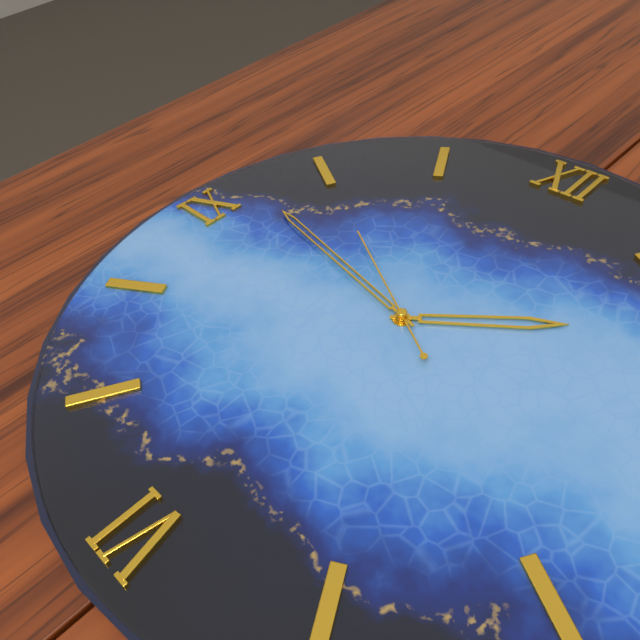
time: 1:47:50
